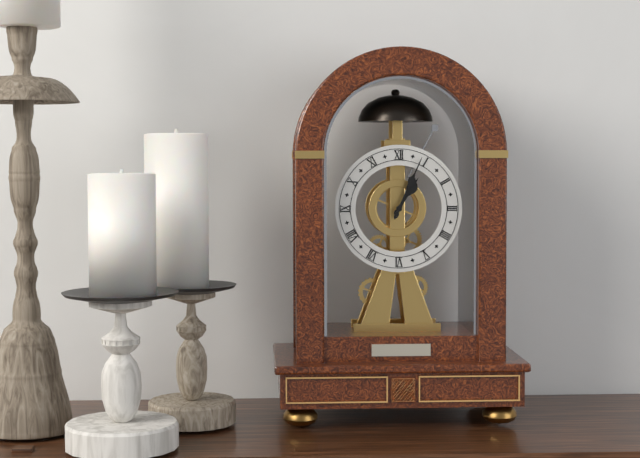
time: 1:04
